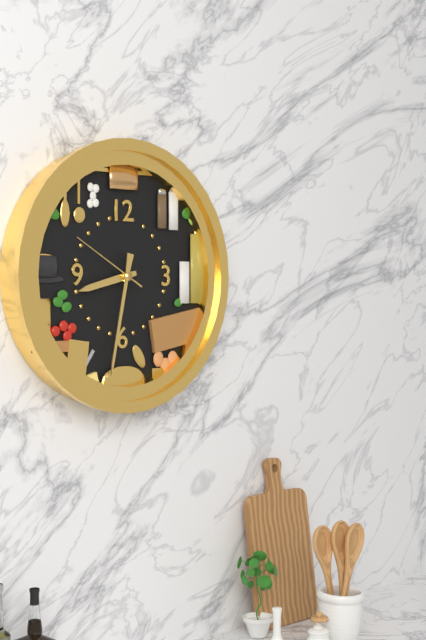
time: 8:32:50
